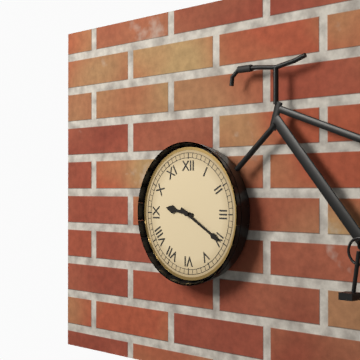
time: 9:20
